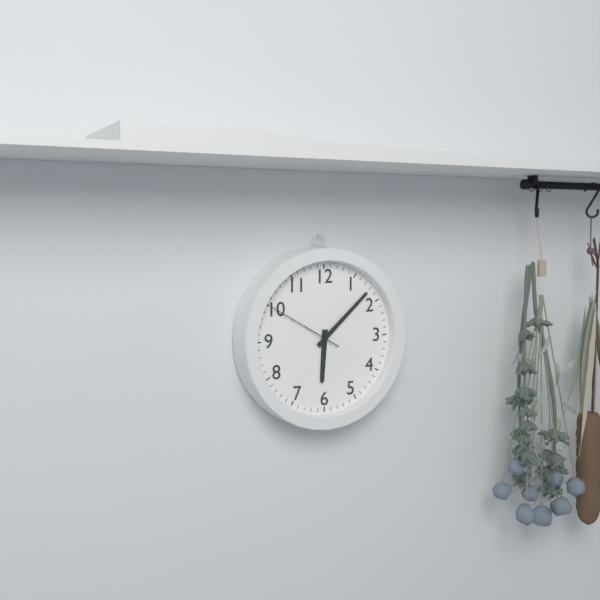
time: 6:08:50
